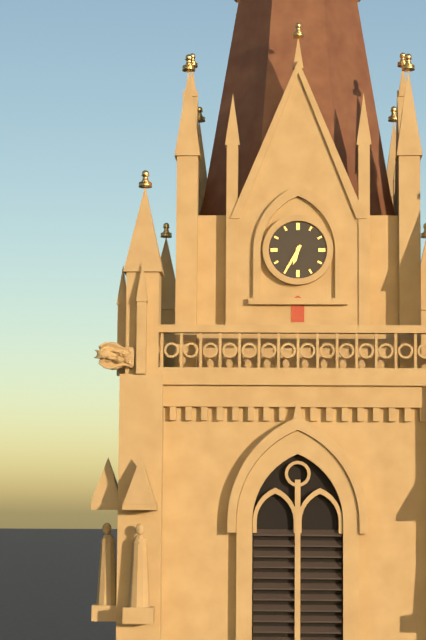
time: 6:35
